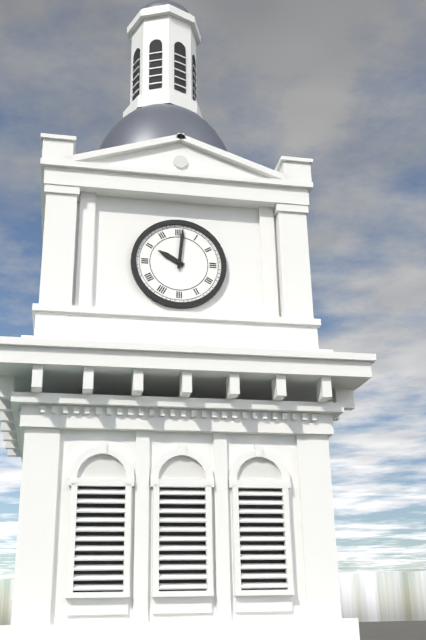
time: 10:01
